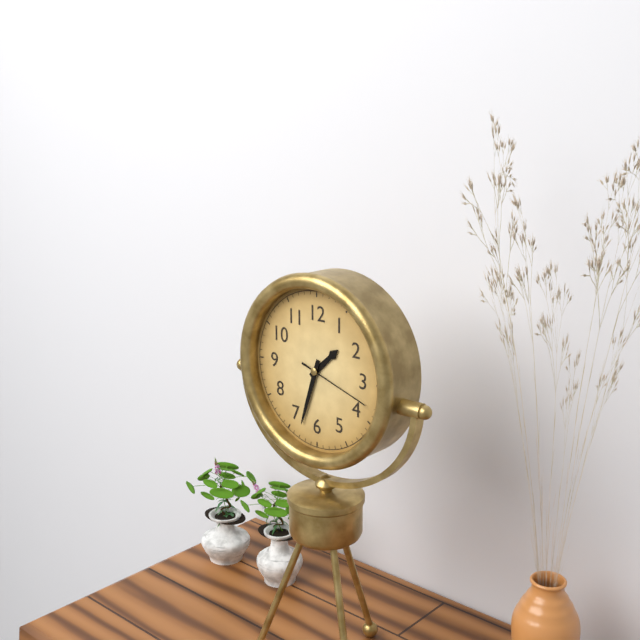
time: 1:33:18
